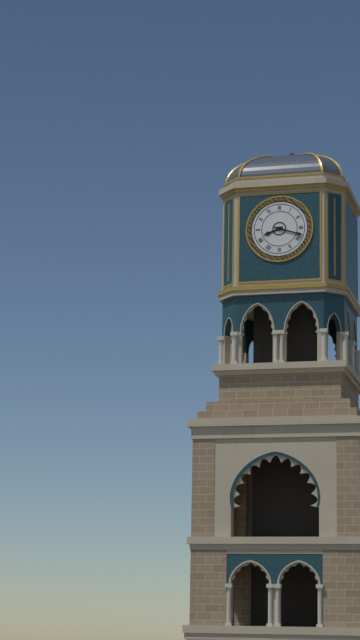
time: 8:18
